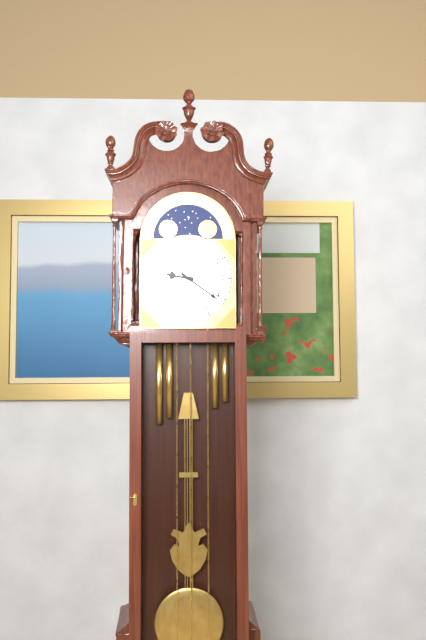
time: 9:21
